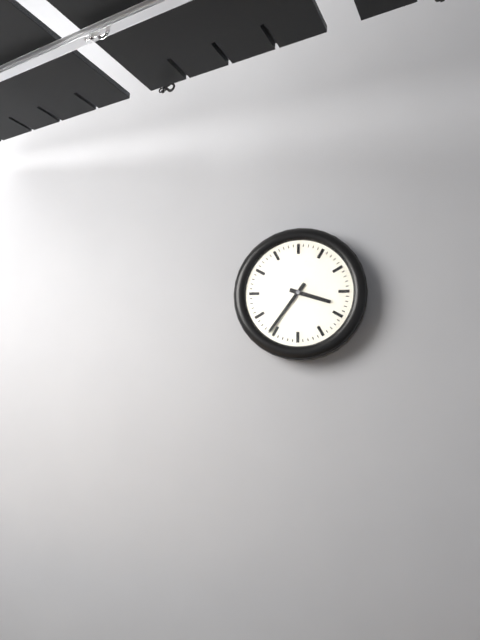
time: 3:36
